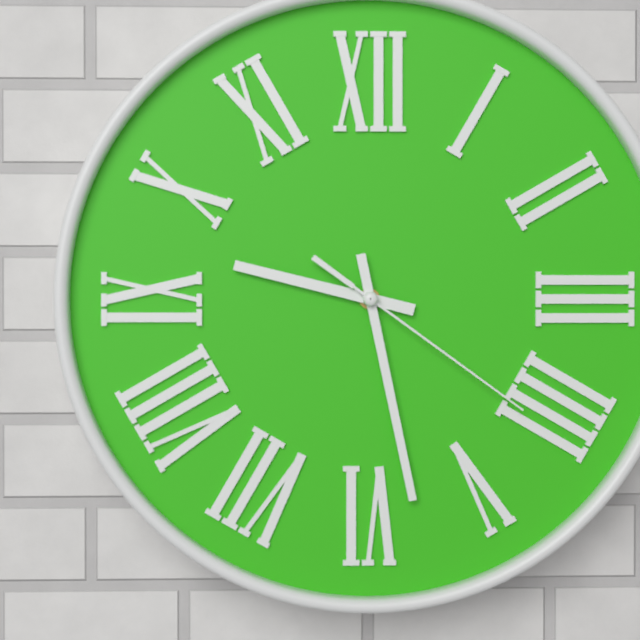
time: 9:28:21
